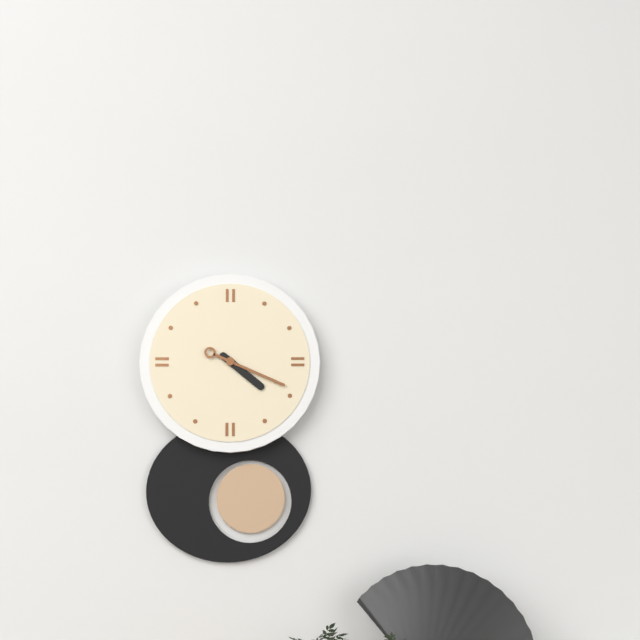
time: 4:19
